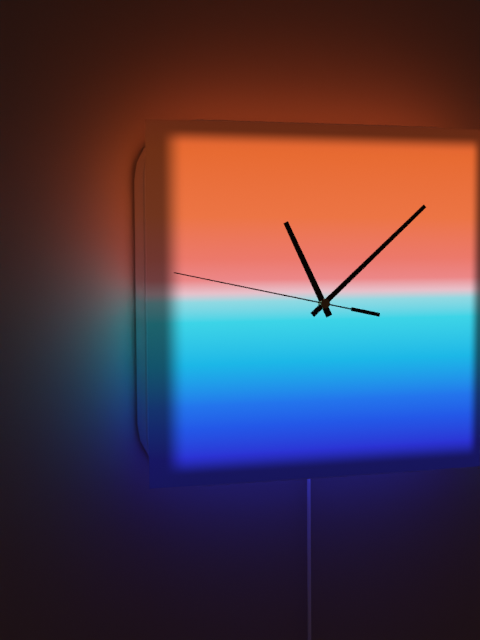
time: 11:08:47
